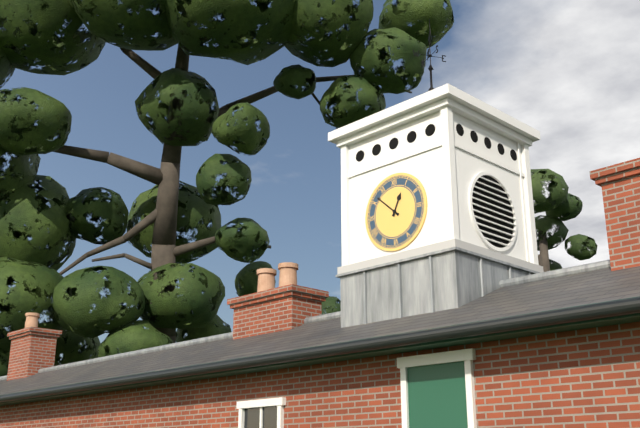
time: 12:52
